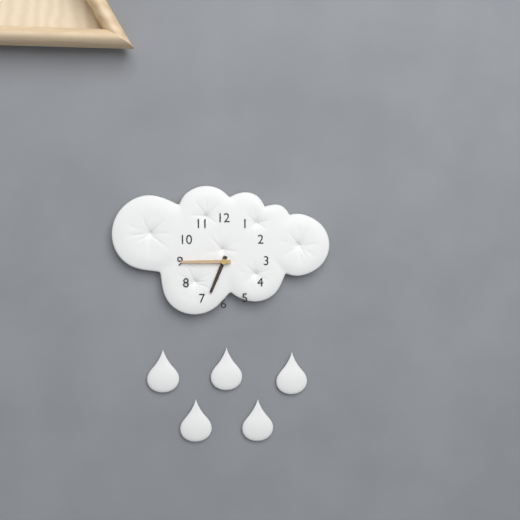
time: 6:45
